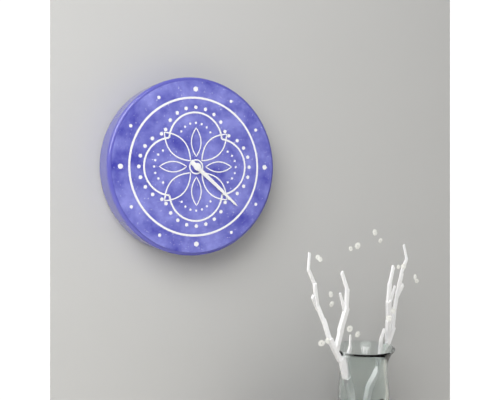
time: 4:22
